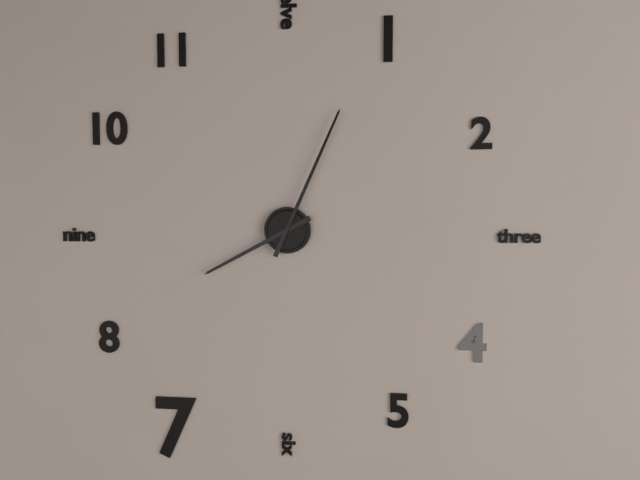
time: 8:04
